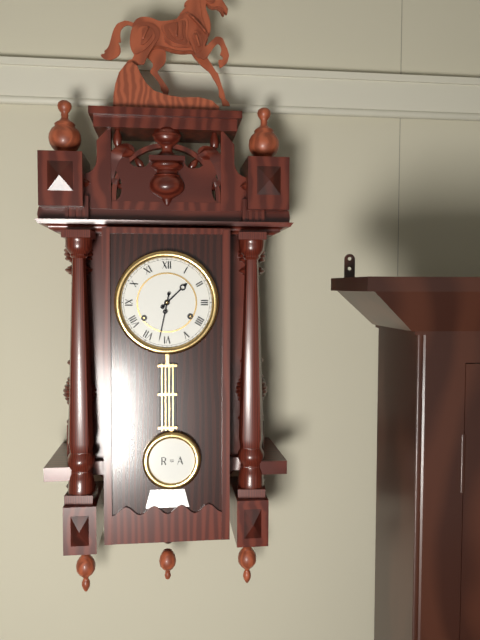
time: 1:32
